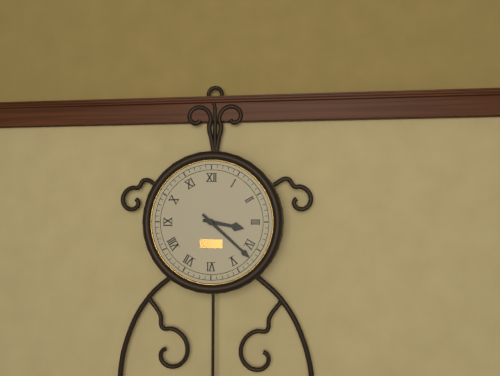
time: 3:22
